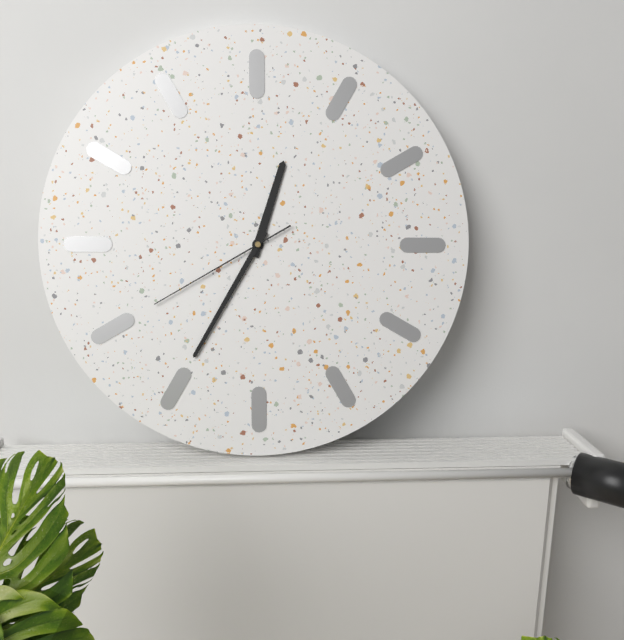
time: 12:35:40
